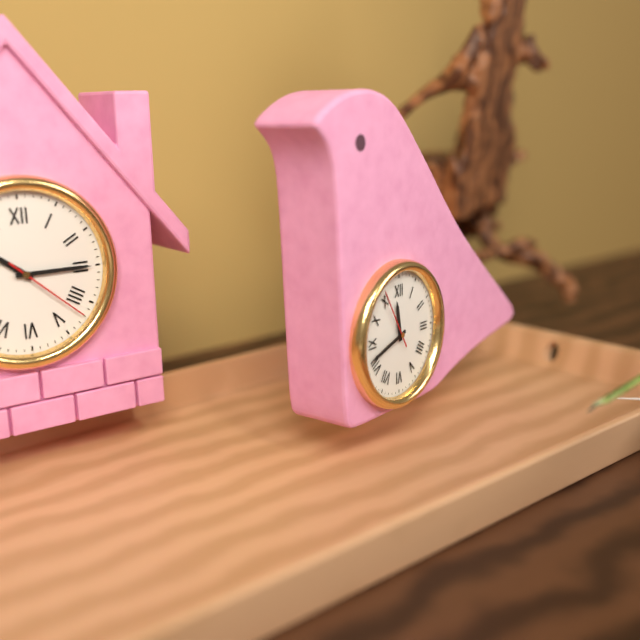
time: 11:42:55
